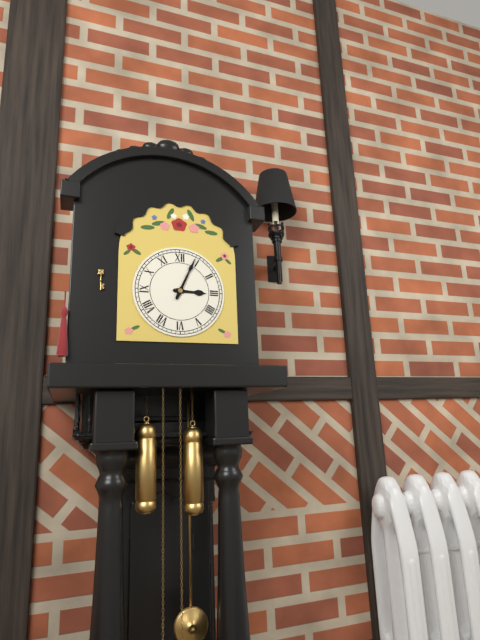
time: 3:04
